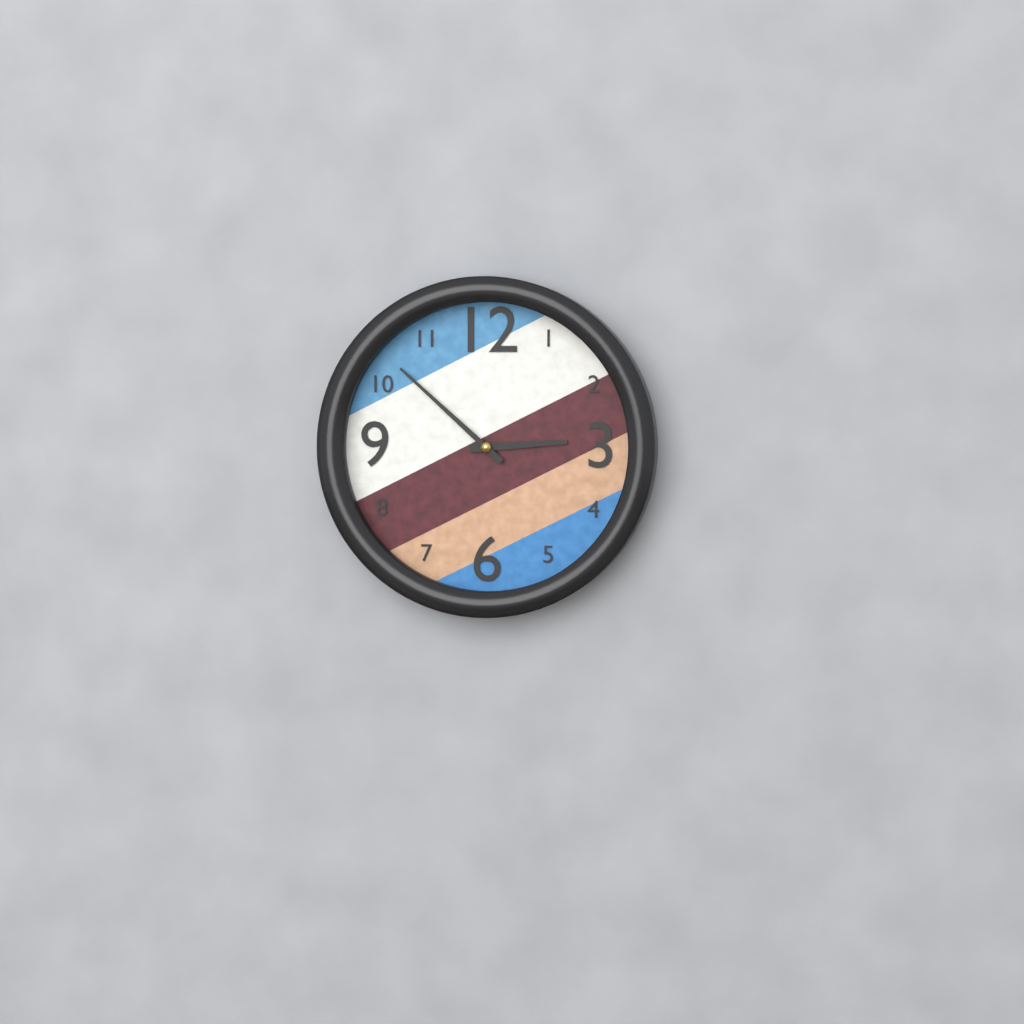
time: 2:52
